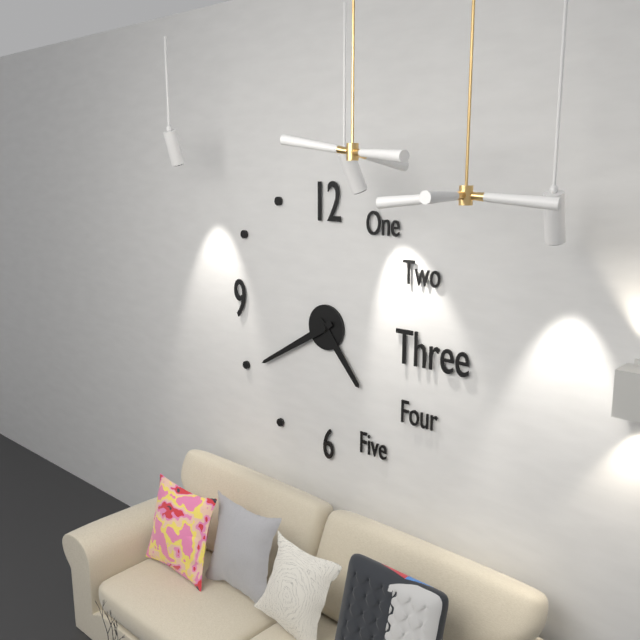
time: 4:40
